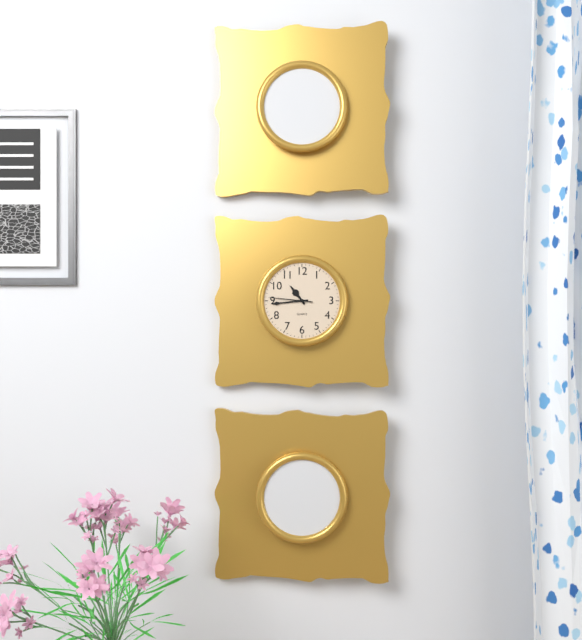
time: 10:44
